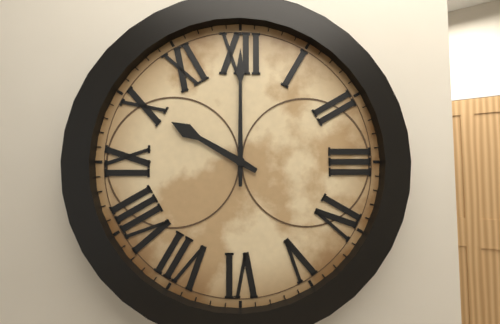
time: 10:00
